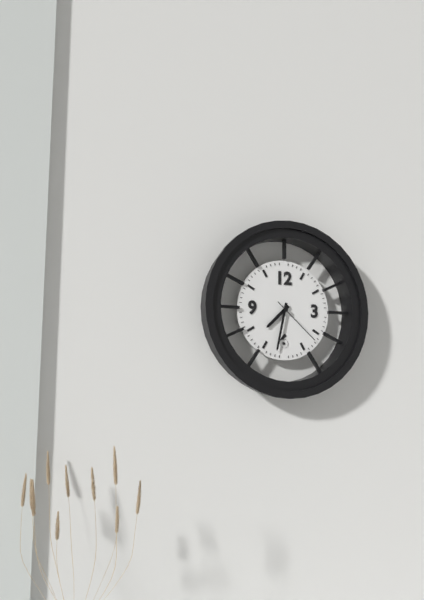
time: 7:32:22
